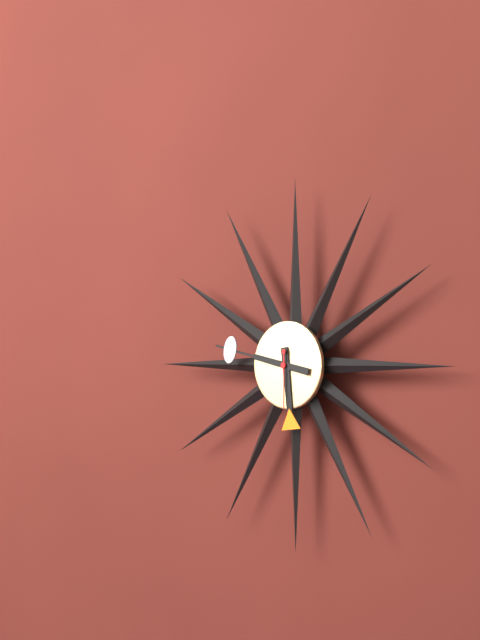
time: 5:47:30
